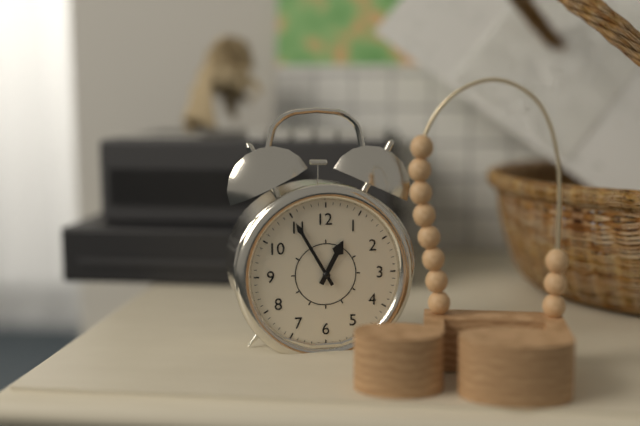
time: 12:55
